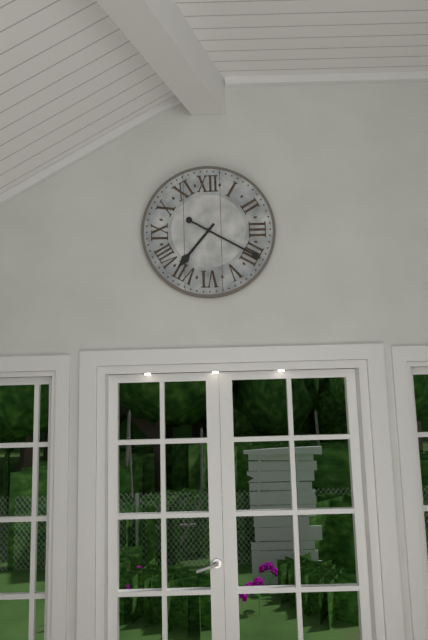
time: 7:20
